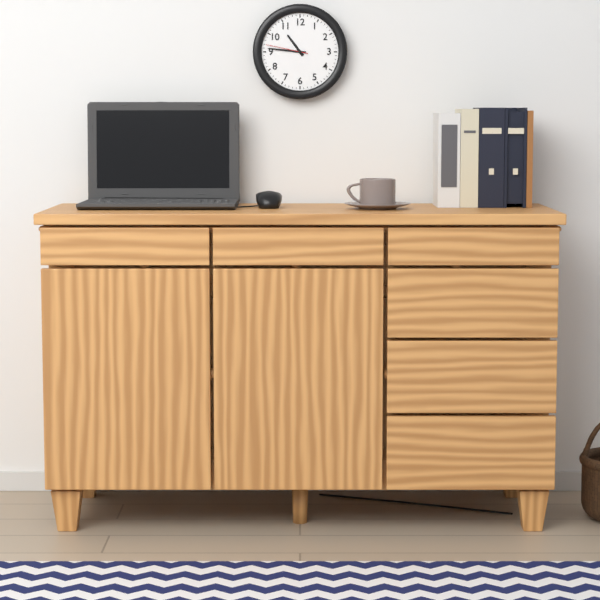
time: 10:46
